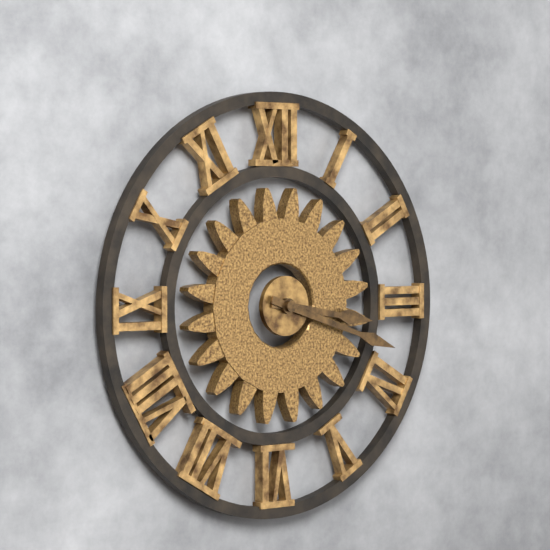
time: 3:18
